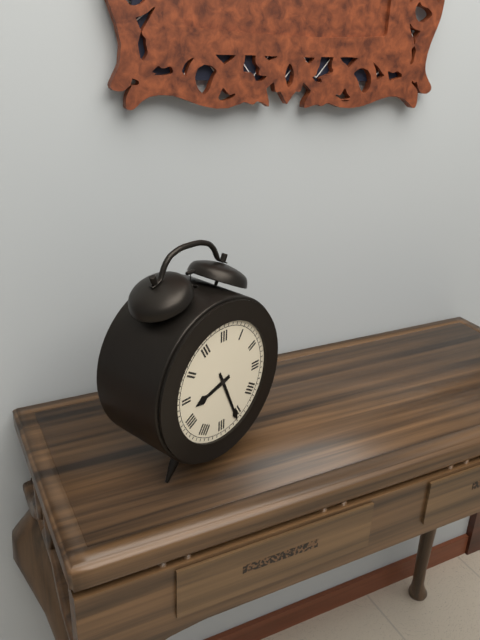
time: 8:26
